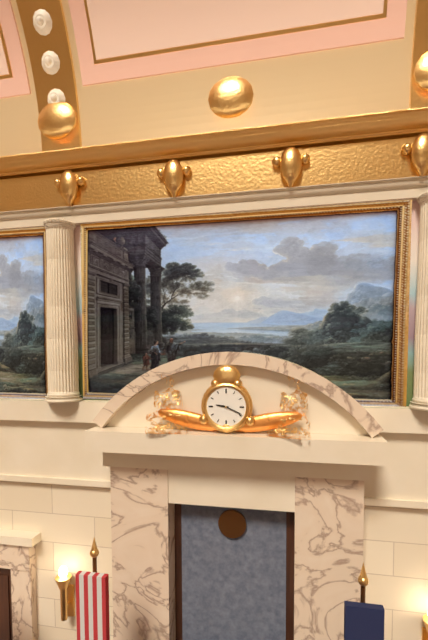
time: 9:19
